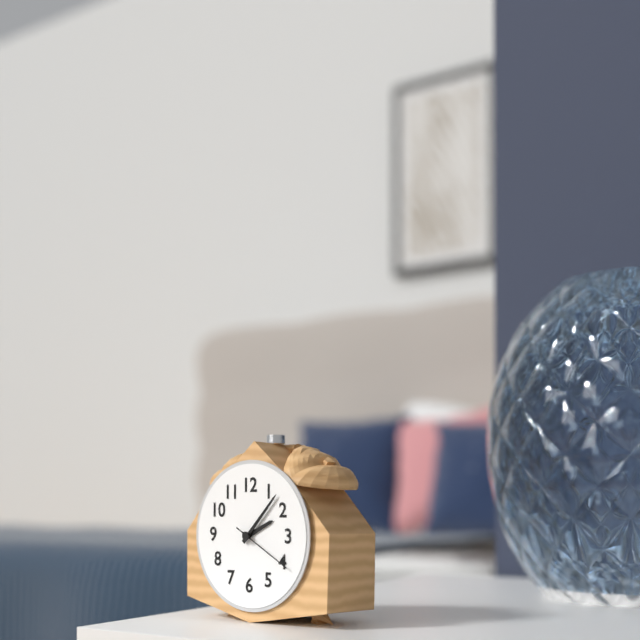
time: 2:07:20
